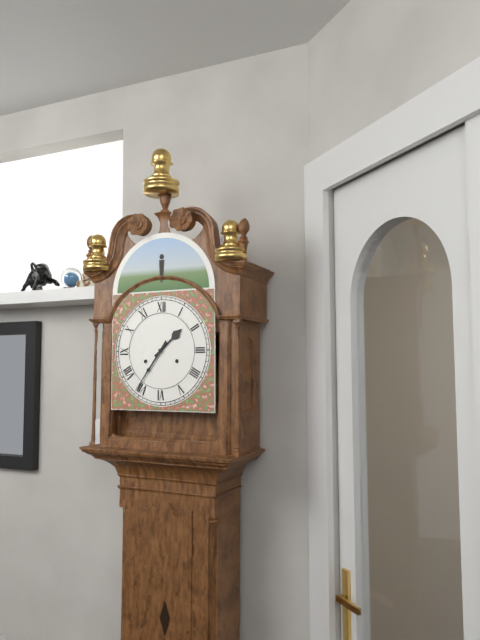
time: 1:36
